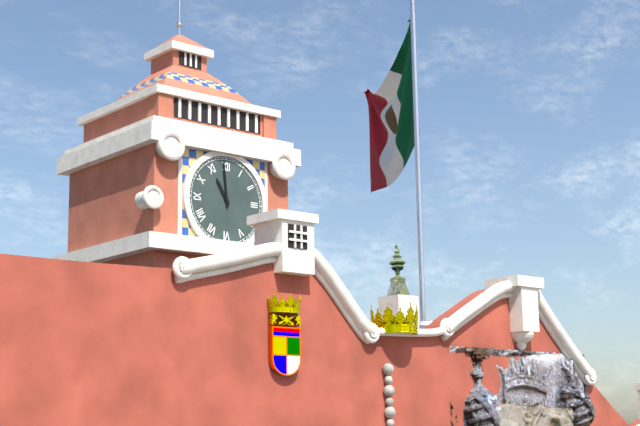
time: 10:59
